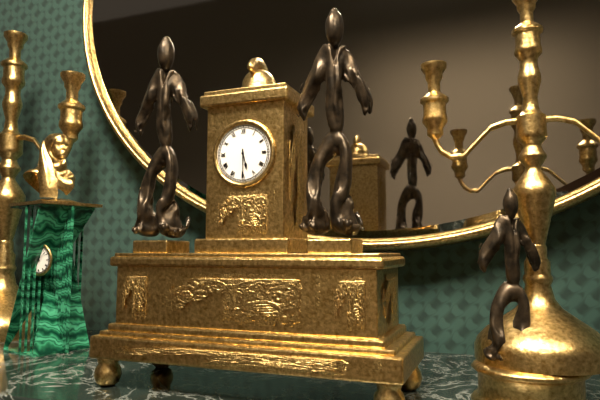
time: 5:30
